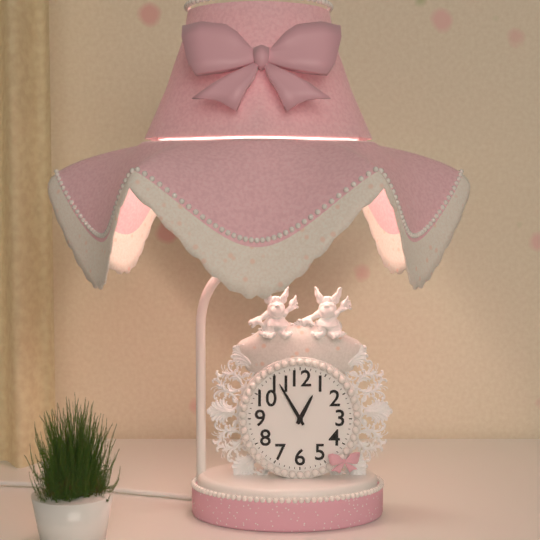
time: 12:55
